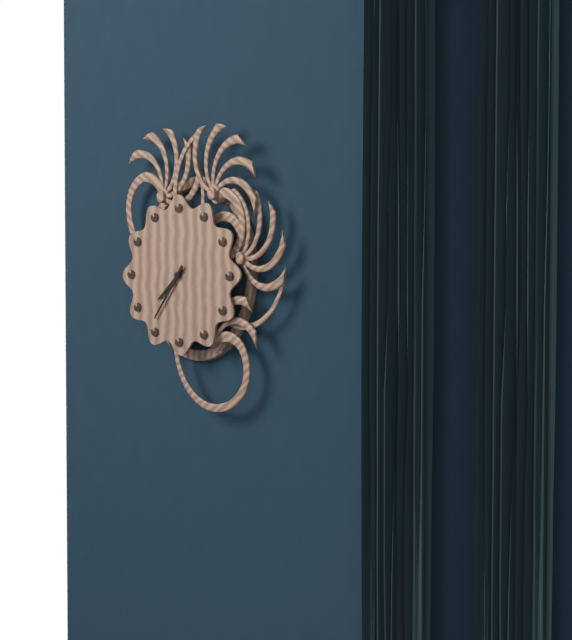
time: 7:36
